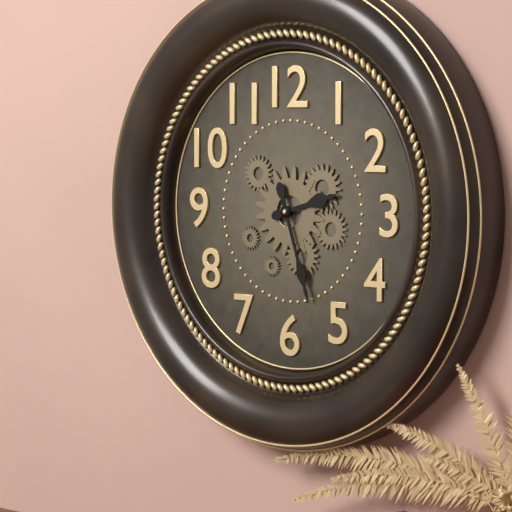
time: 2:27
